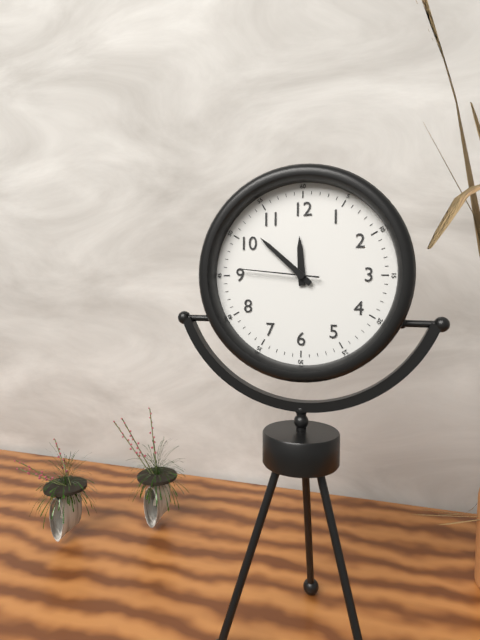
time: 11:52:46
